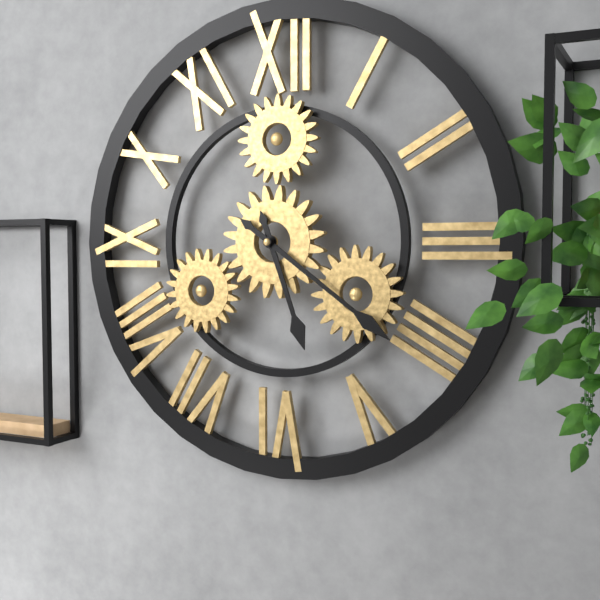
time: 5:21
